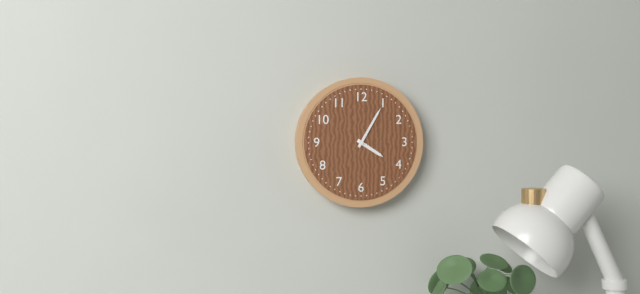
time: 4:05
